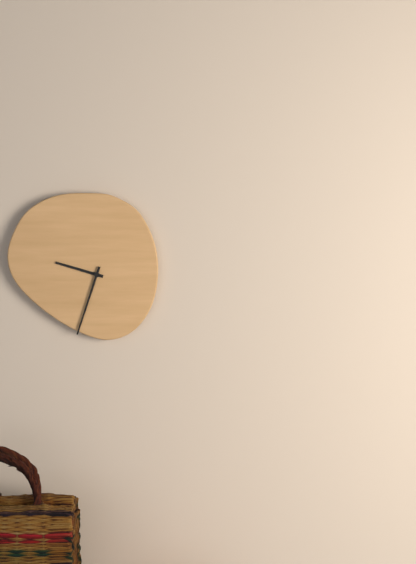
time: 9:33
